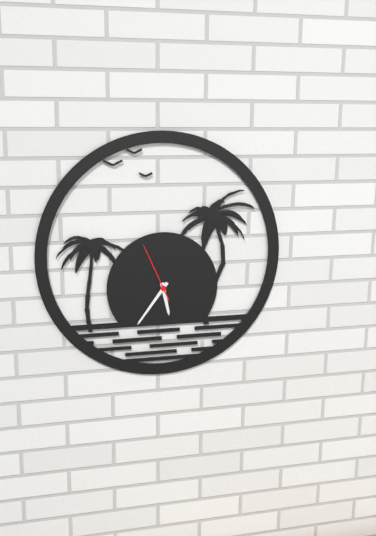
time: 5:36:56
